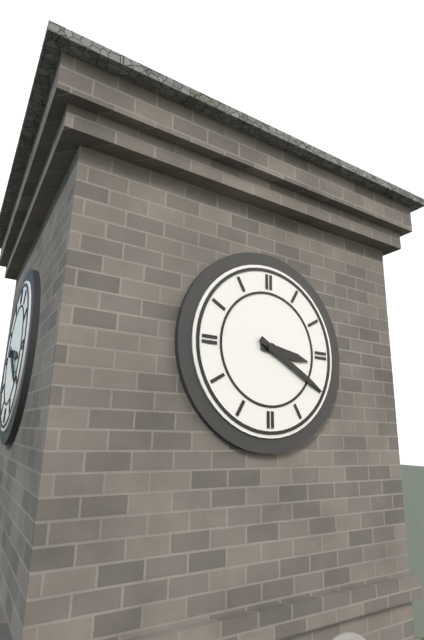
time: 3:20
